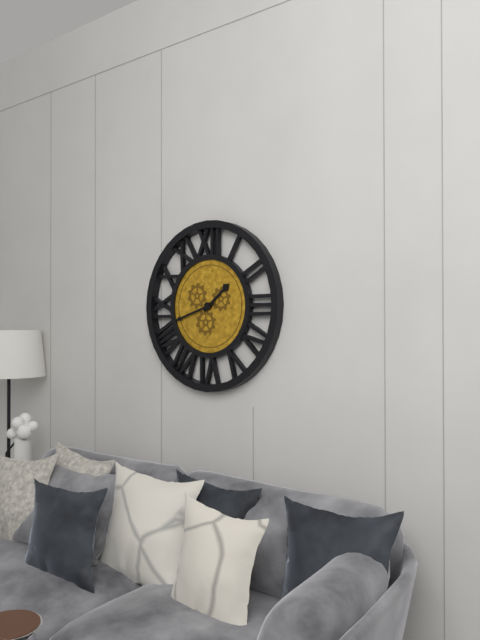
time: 1:42
